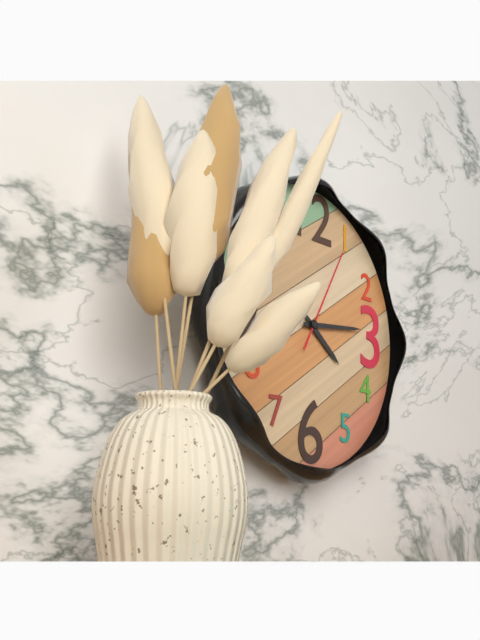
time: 4:14:05
